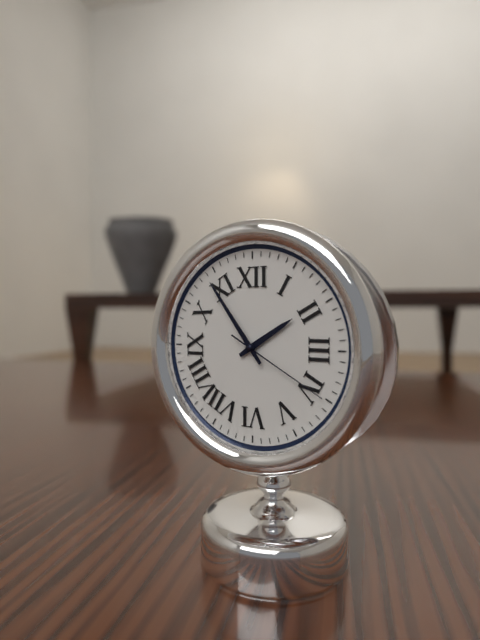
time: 1:54:20
